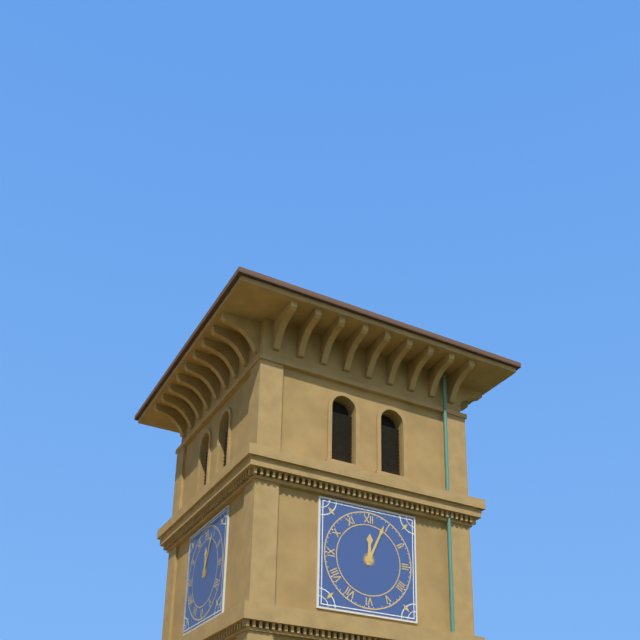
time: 12:04
